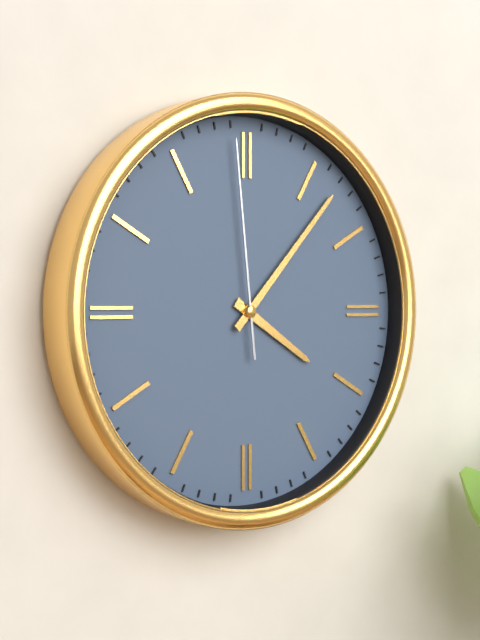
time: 4:07:59
